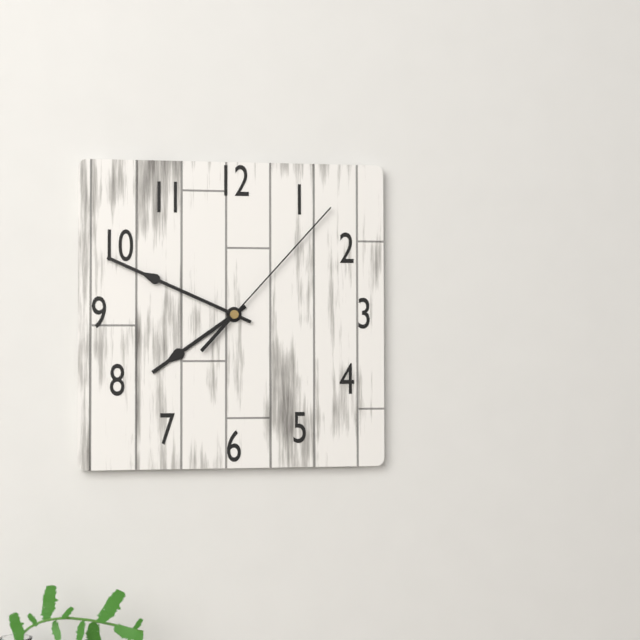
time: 7:49:07
